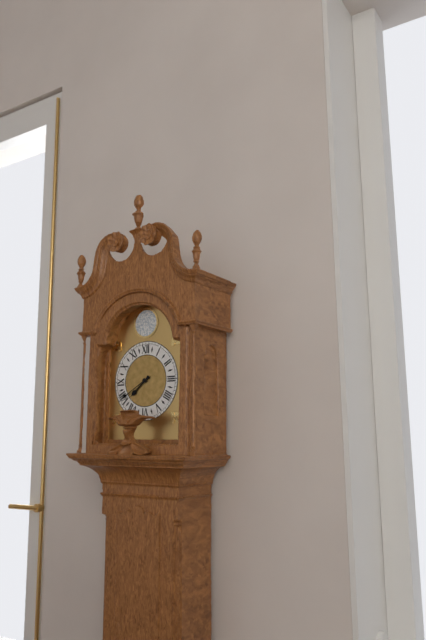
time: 7:40
